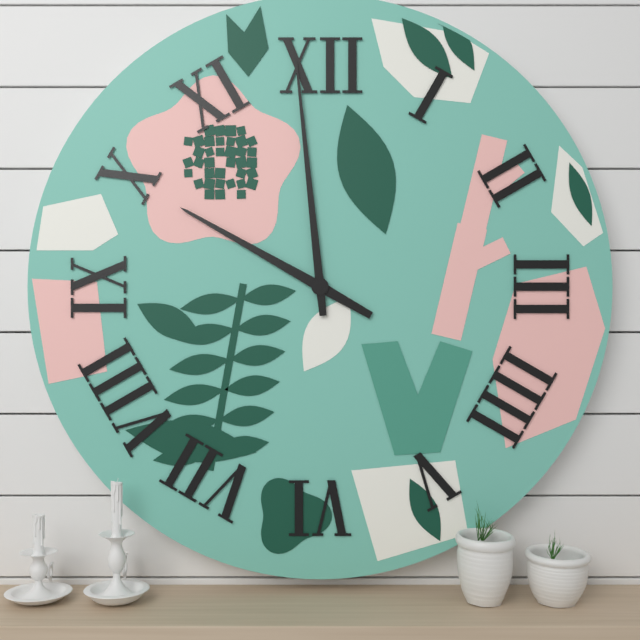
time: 9:59
